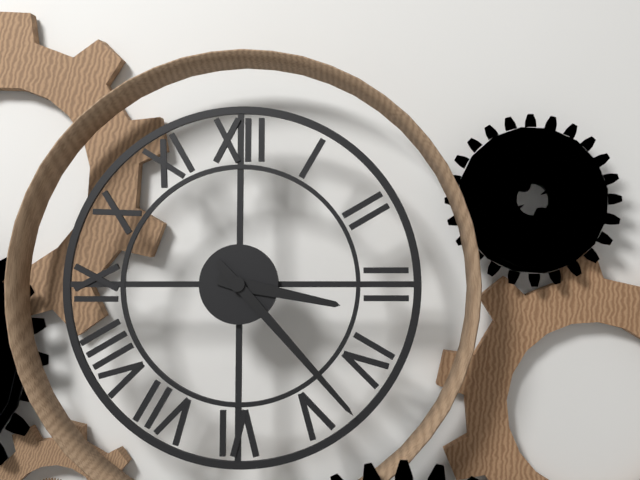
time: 3:23
